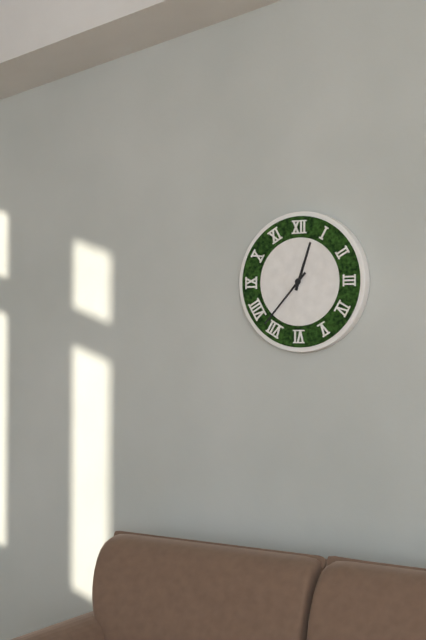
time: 12:37
